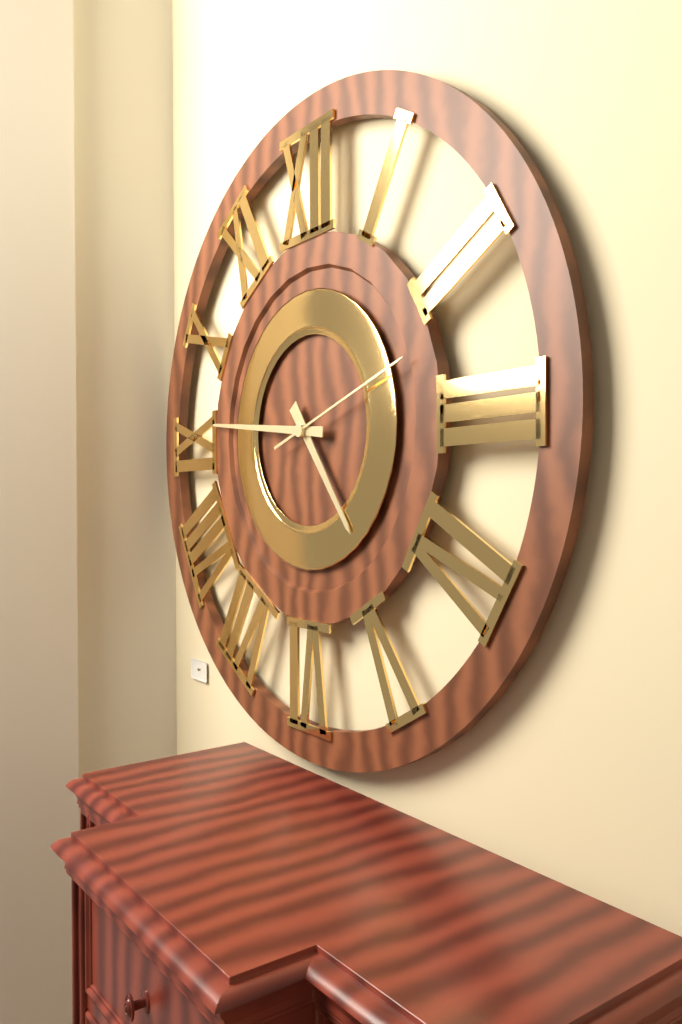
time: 4:46:12
